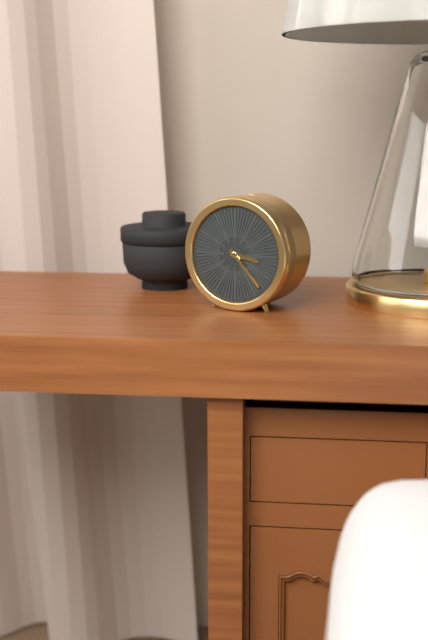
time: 3:23
